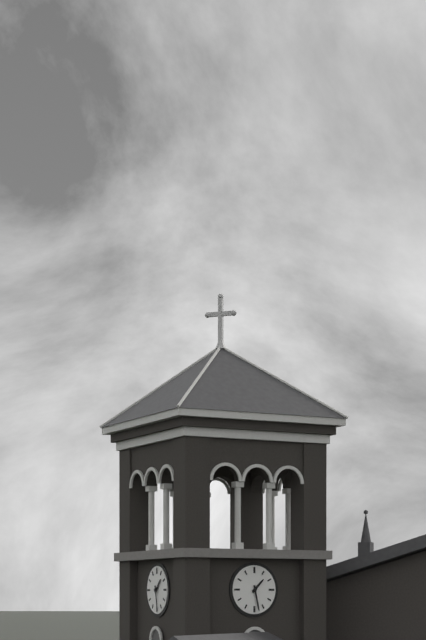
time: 1:28
